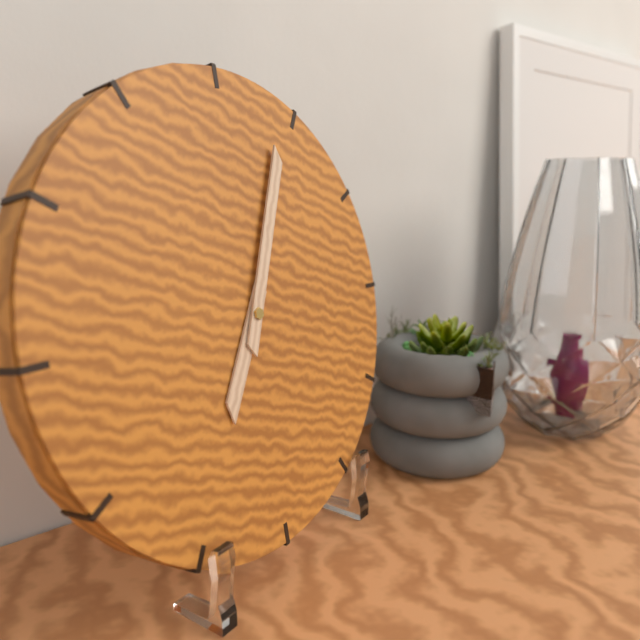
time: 7:04
